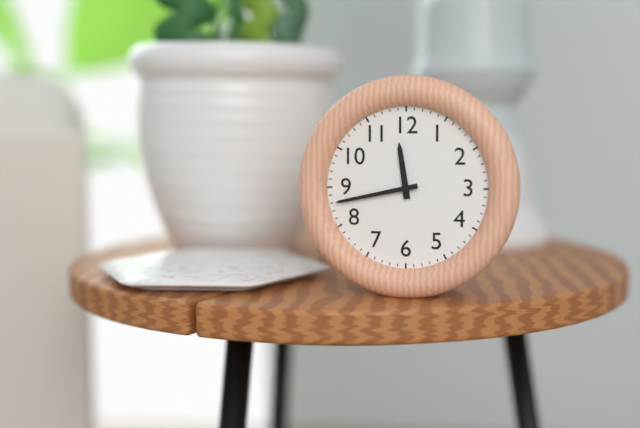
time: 11:43
